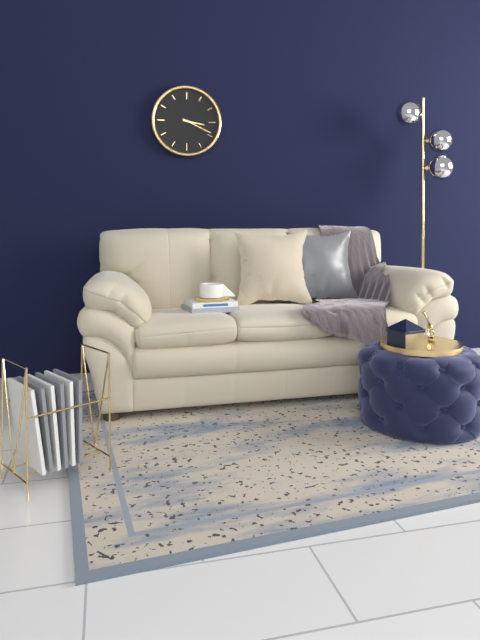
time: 3:19
